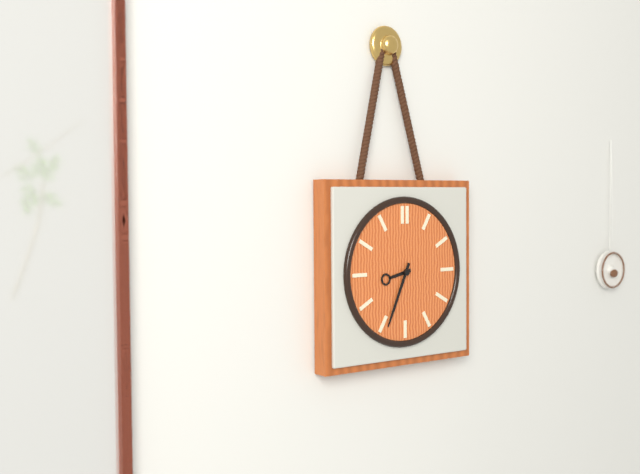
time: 8:34
